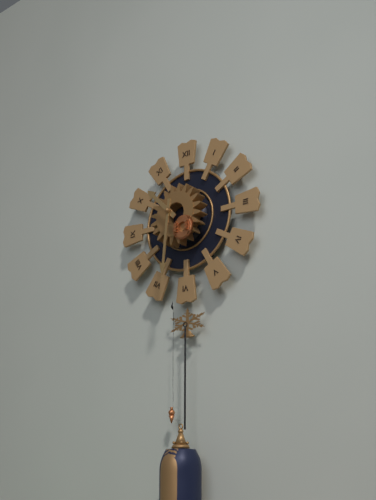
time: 10:31
